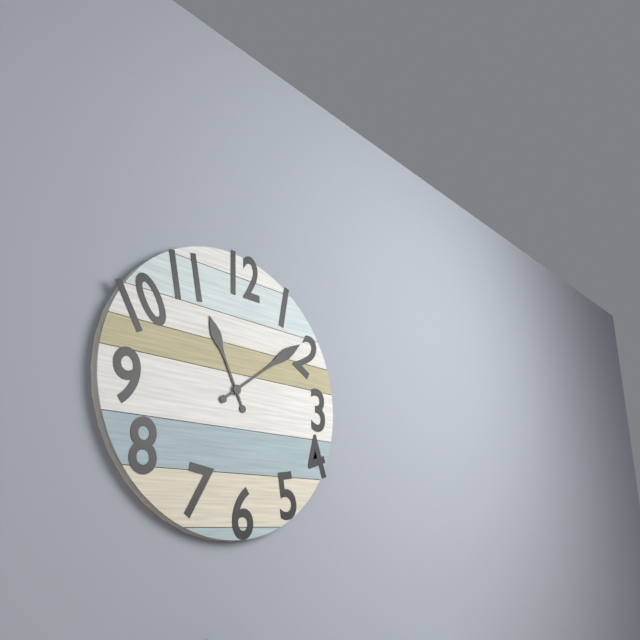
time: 11:09
